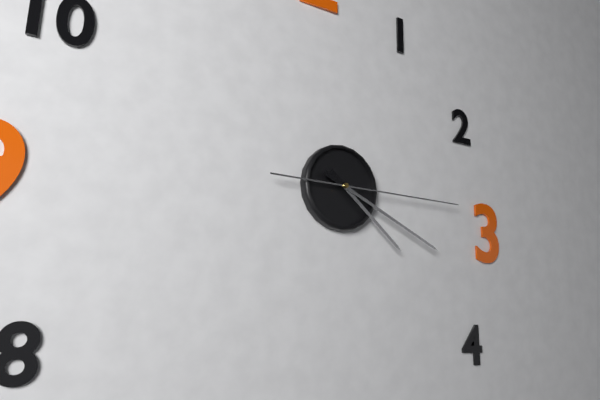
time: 4:19:15
